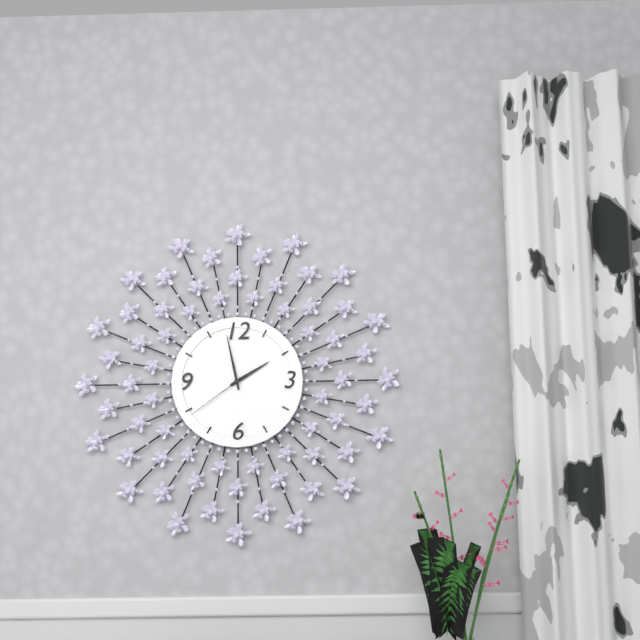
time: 1:58:39
